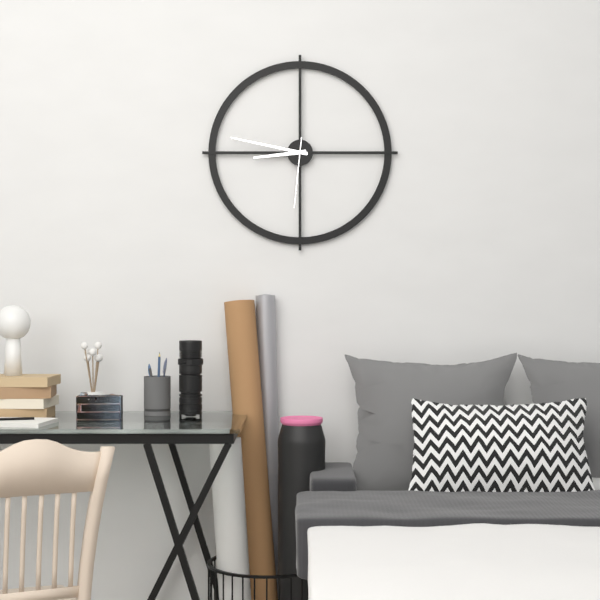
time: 8:47:31
